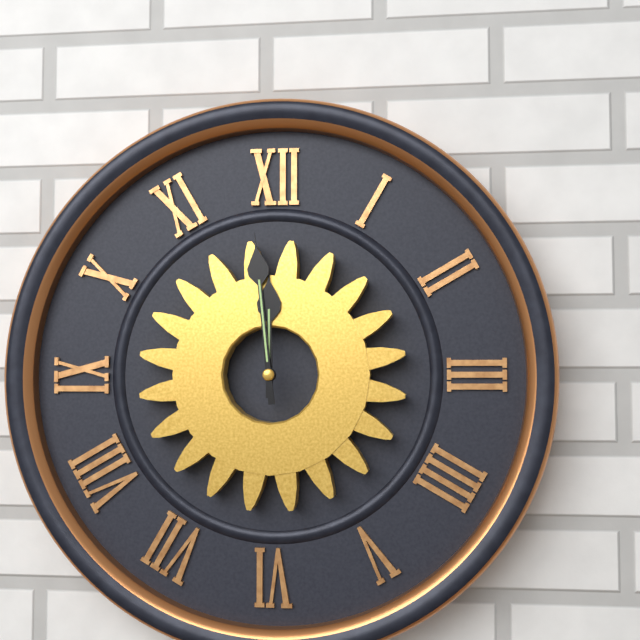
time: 11:59
